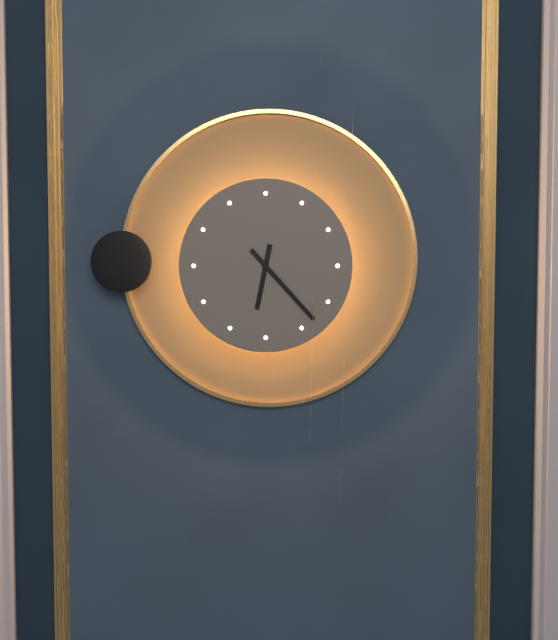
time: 6:23
